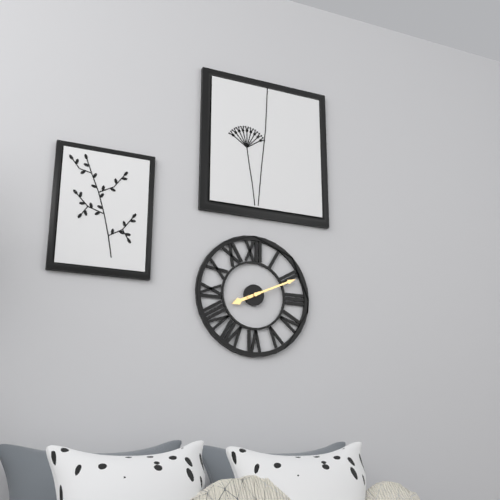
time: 8:11
